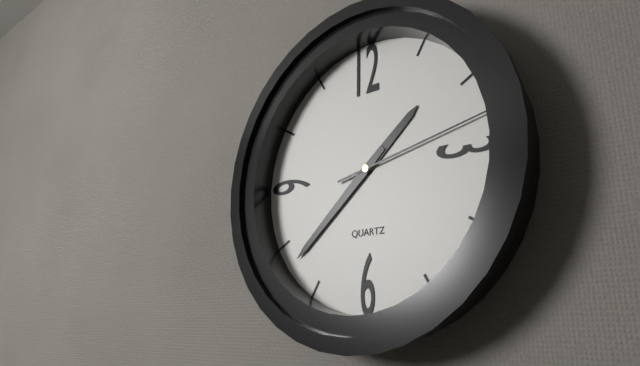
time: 1:38:13
